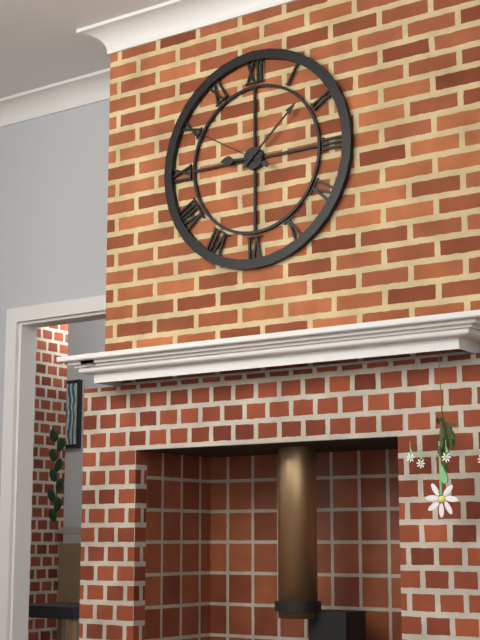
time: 9:08:50
